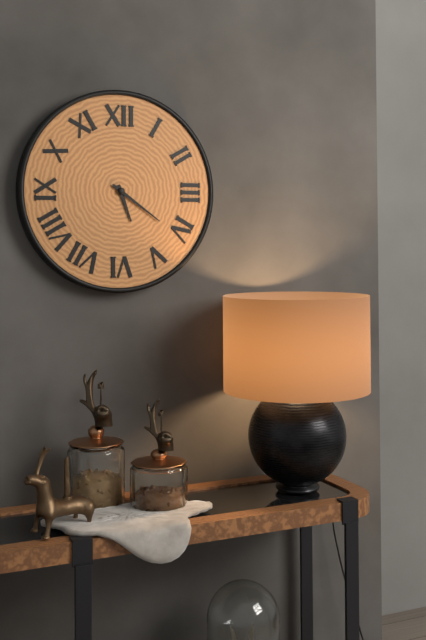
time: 5:21
